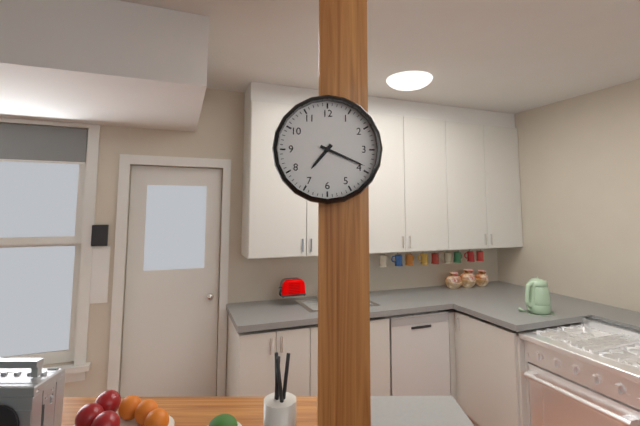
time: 7:19
